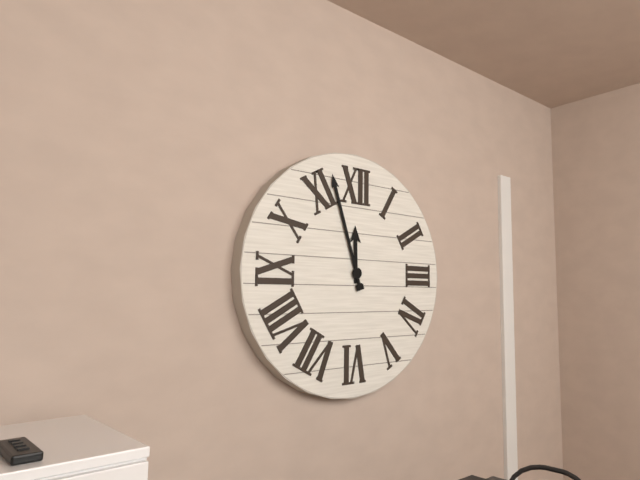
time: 11:57
